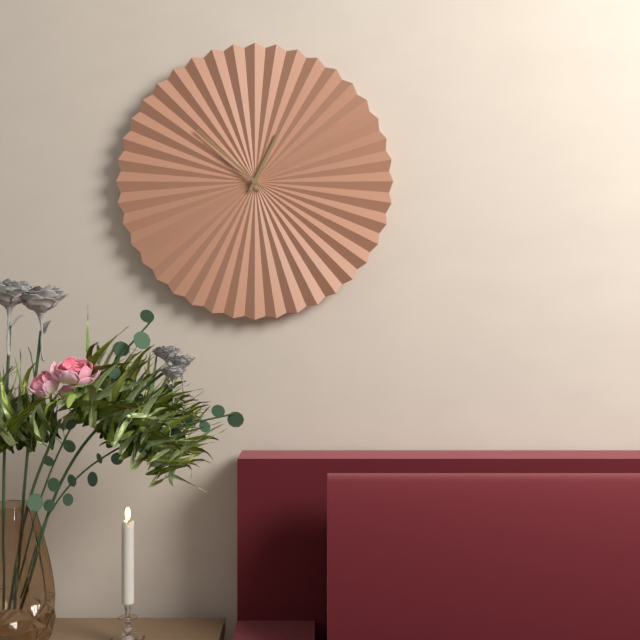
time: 12:52
